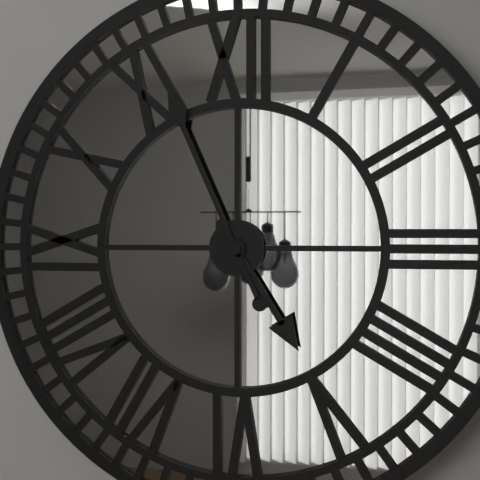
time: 4:56
